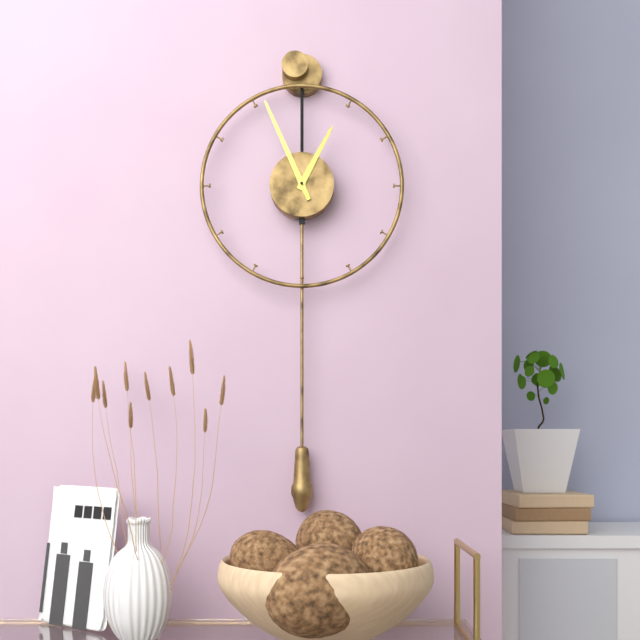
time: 12:56
